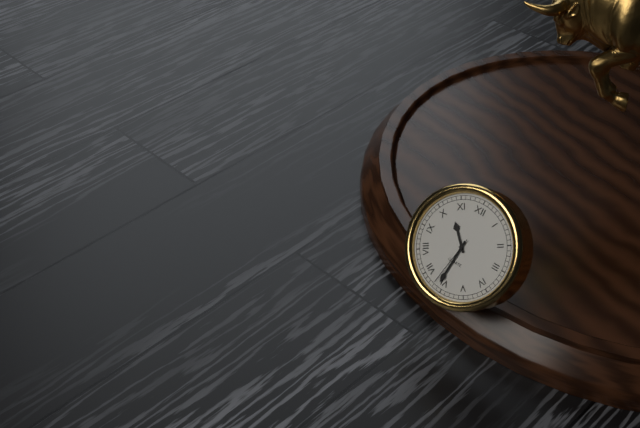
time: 10:31:32
